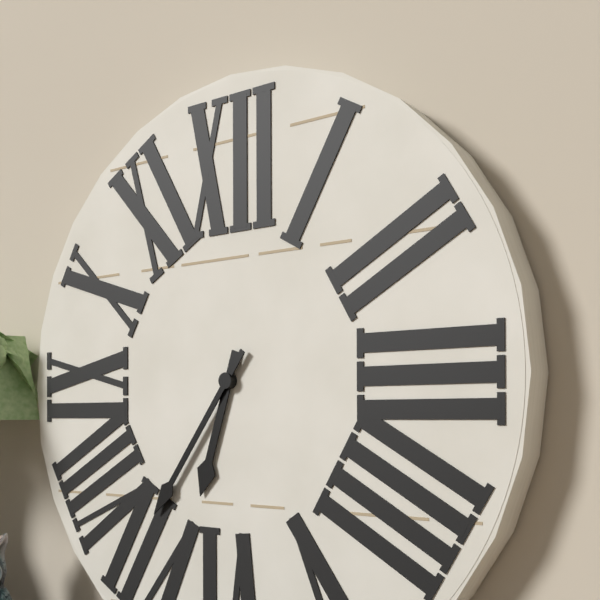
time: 6:36
